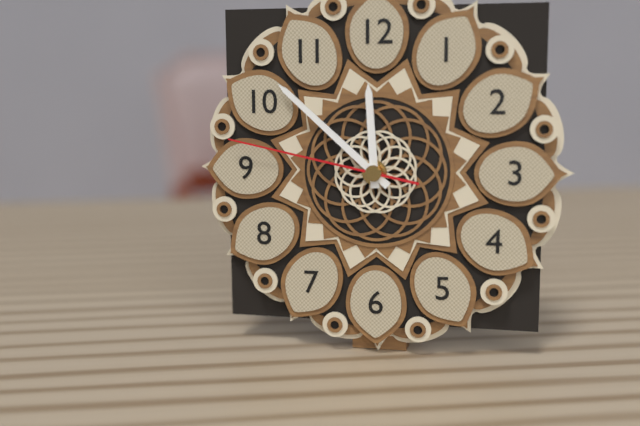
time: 11:52:47
